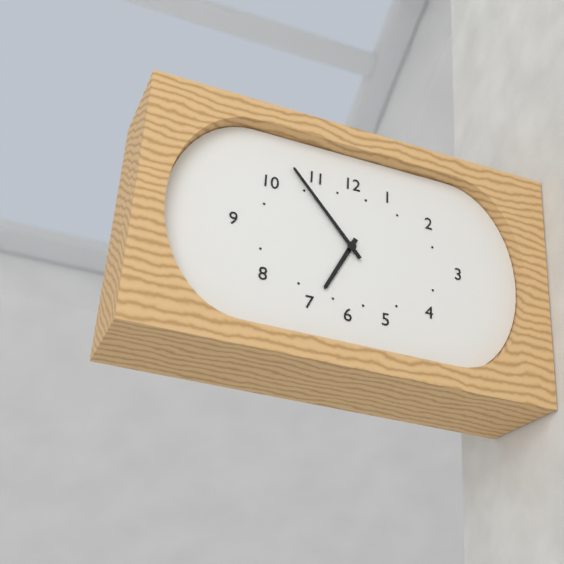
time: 6:53
